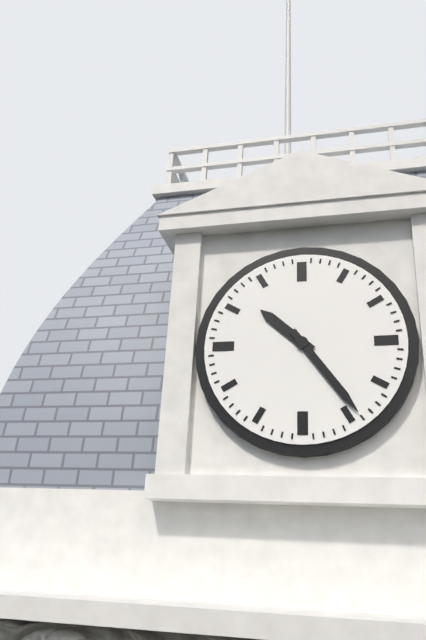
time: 10:24
